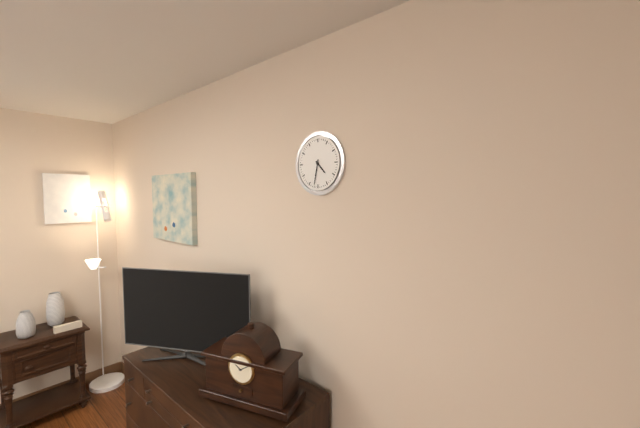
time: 4:32
